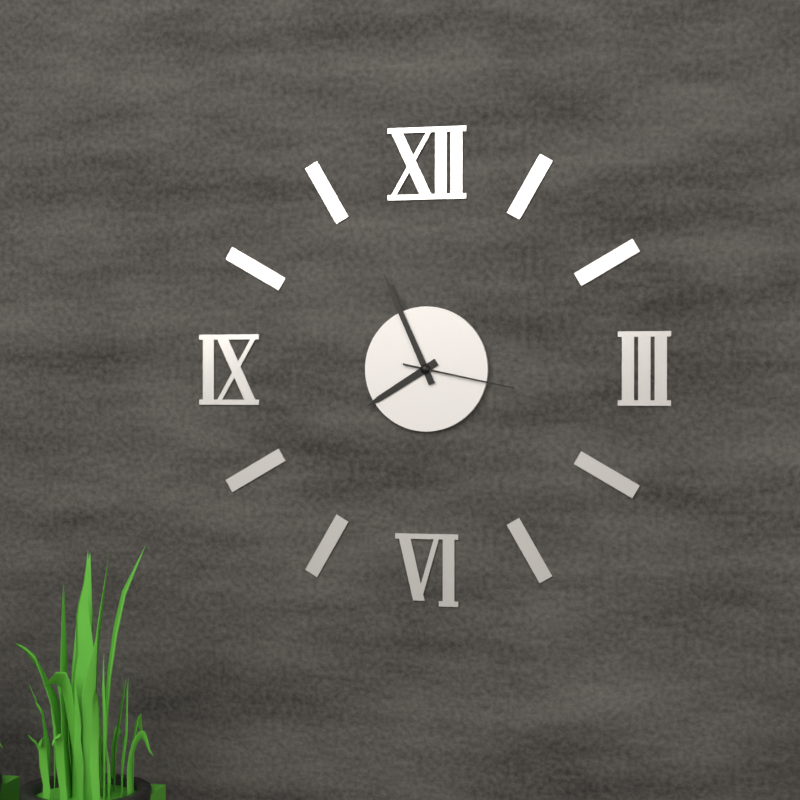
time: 7:56:17
